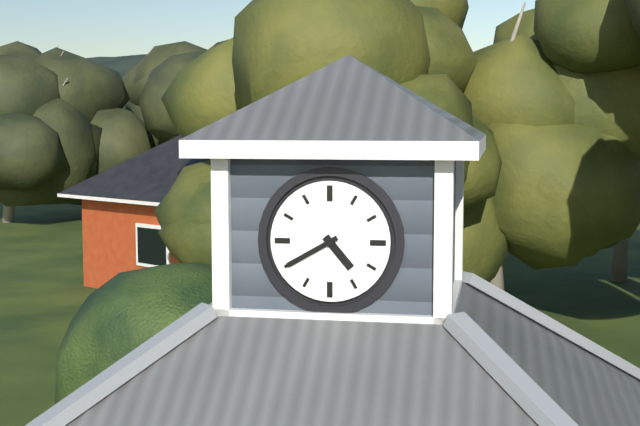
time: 4:40
